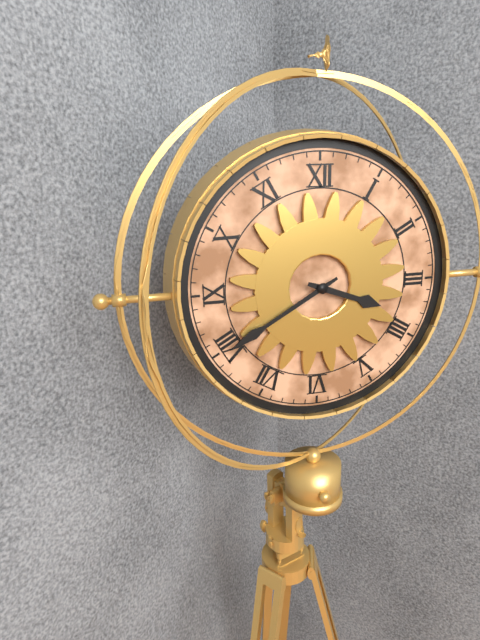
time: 3:40
